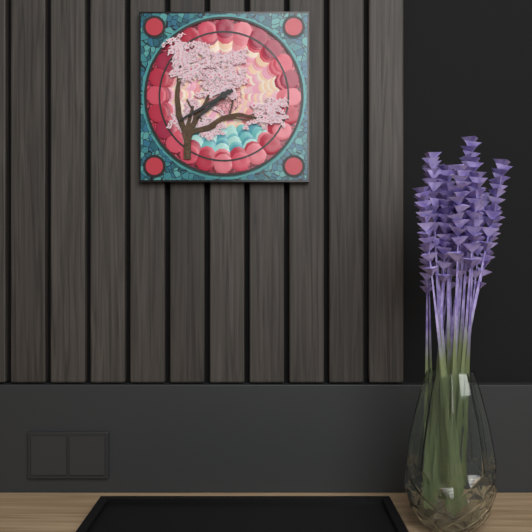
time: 7:40
